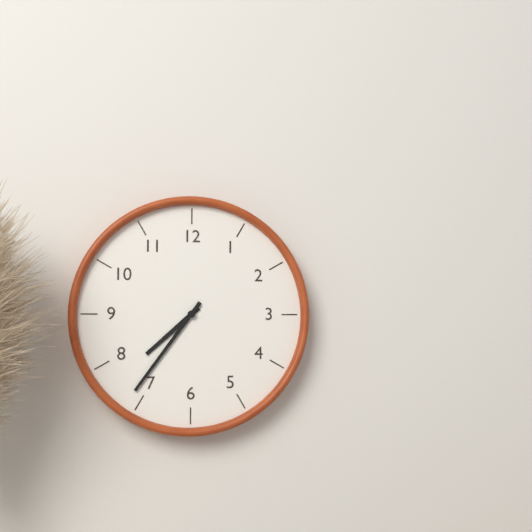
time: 7:36
